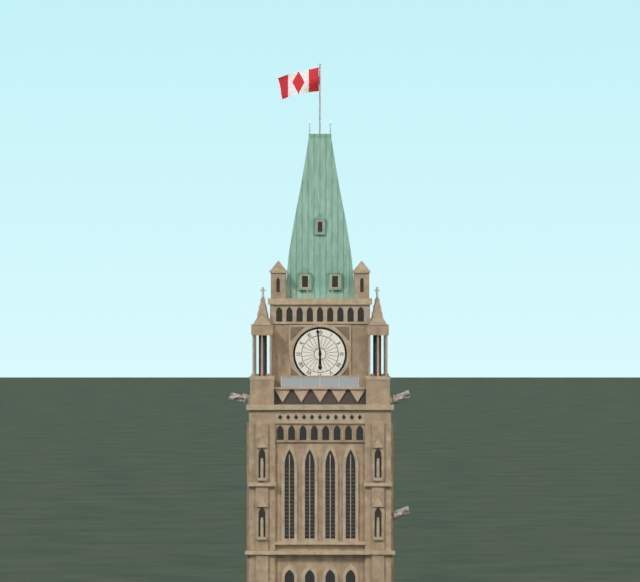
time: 5:59
